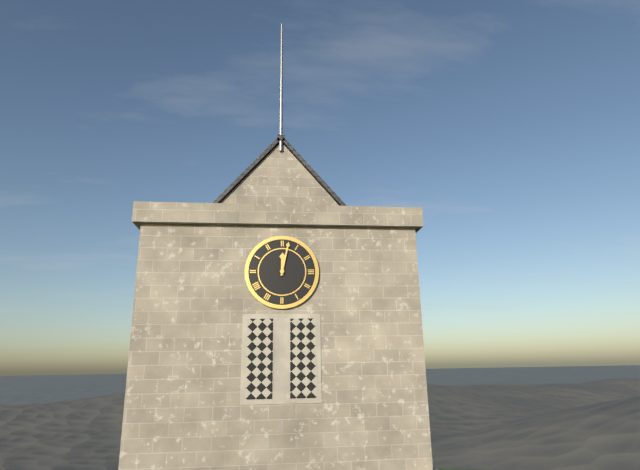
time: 12:02
